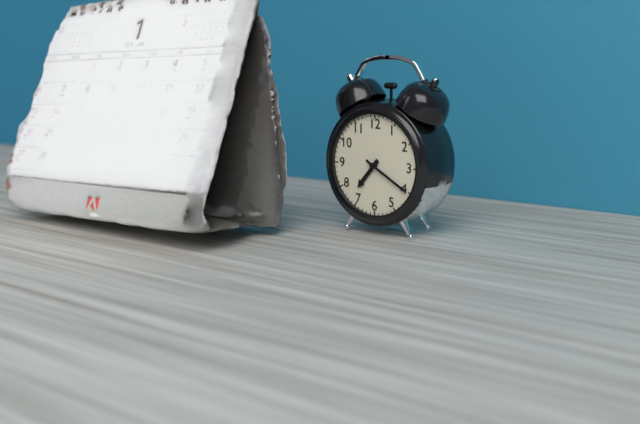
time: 7:20
